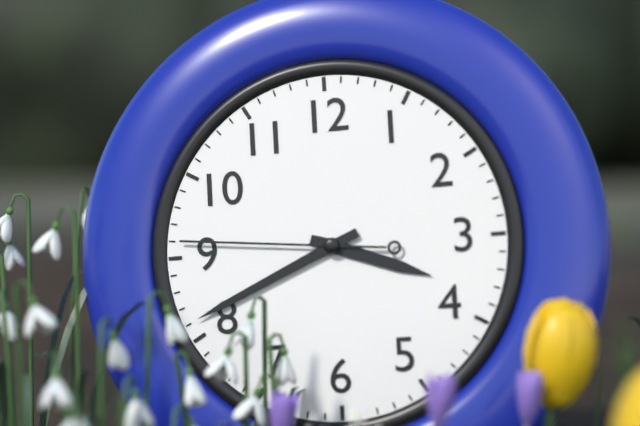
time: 3:41:46
